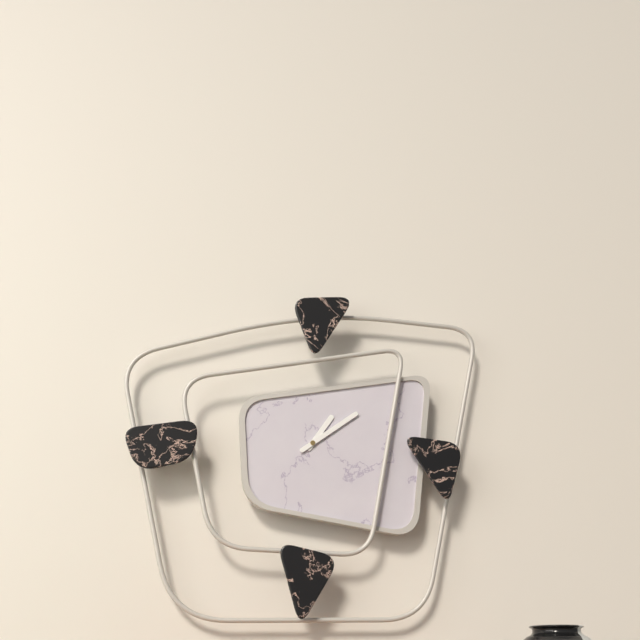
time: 1:09
